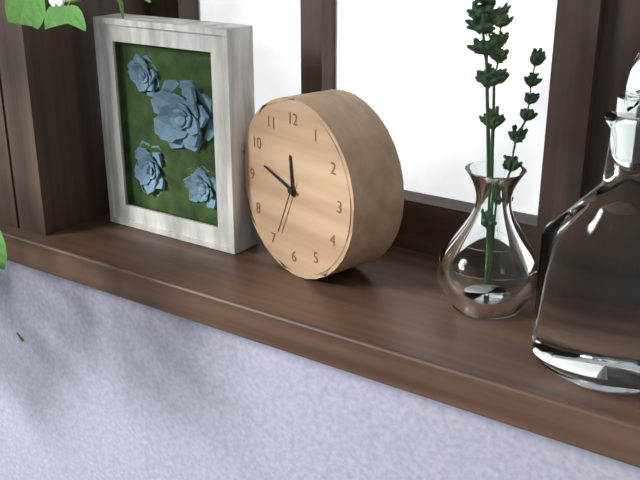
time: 11:48:34
